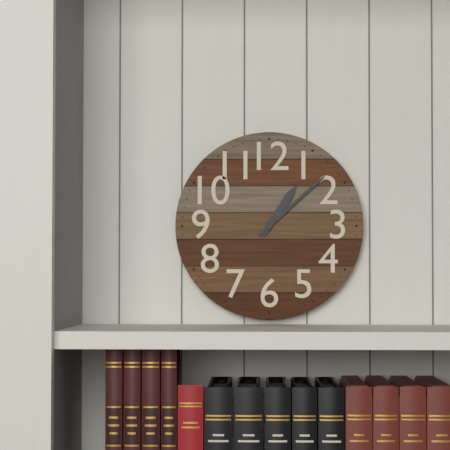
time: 1:08
